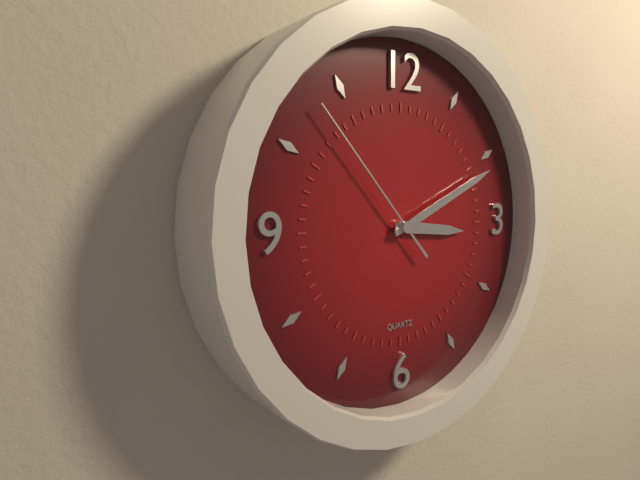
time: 3:11:53
